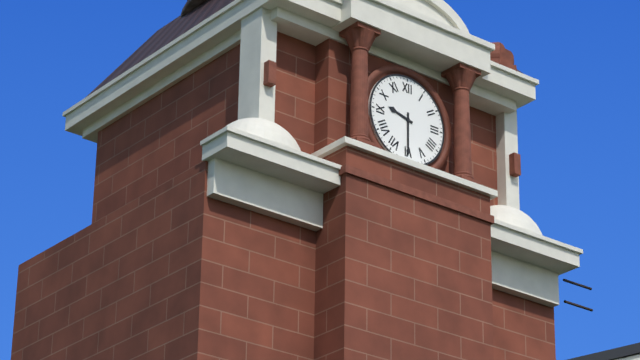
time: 9:30
